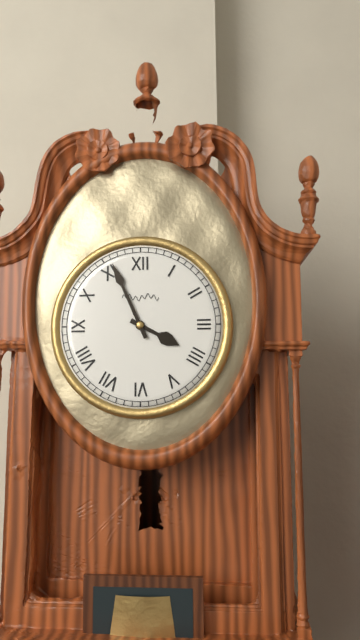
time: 3:56
